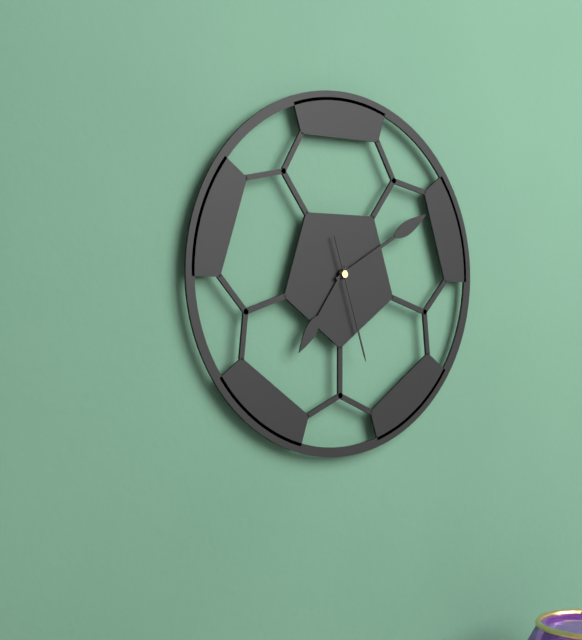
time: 7:10:27
